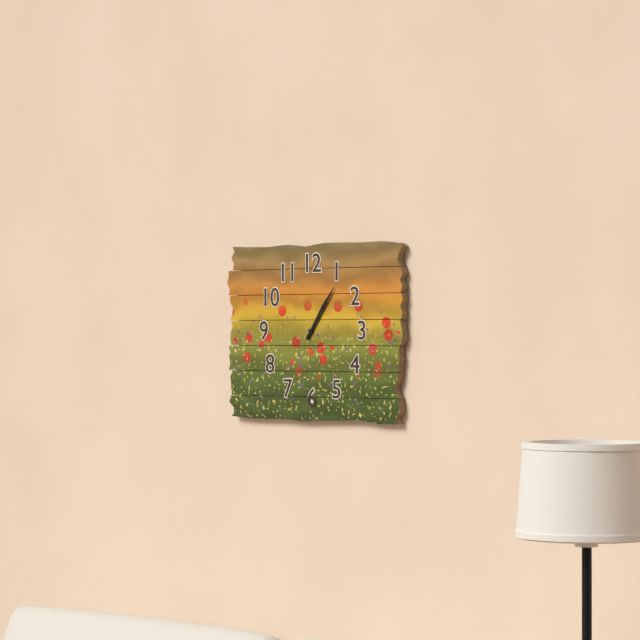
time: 1:06
